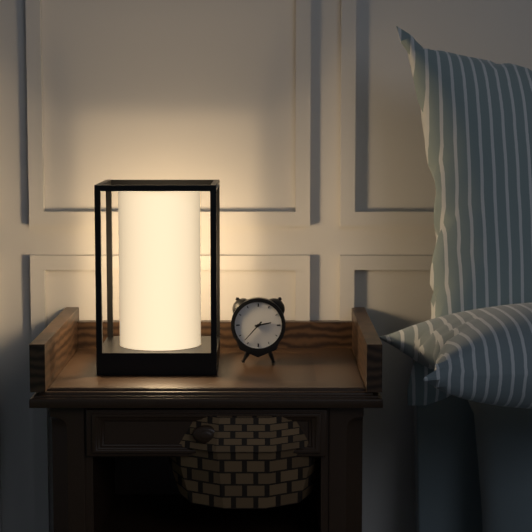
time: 2:37
